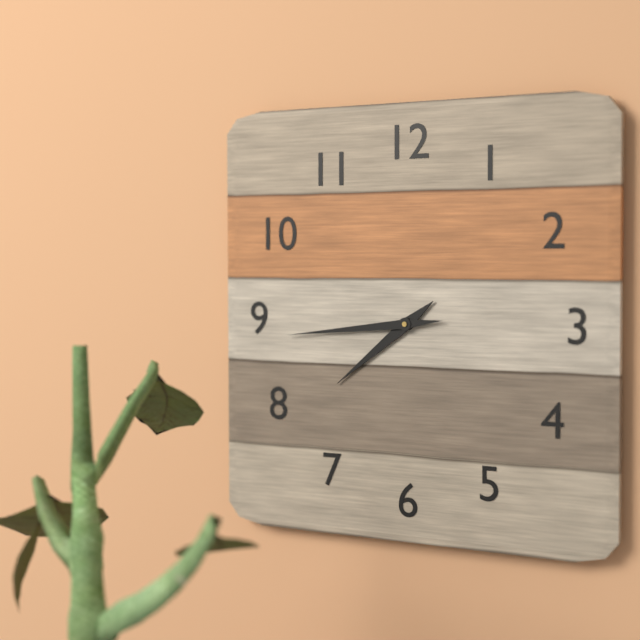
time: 7:44
